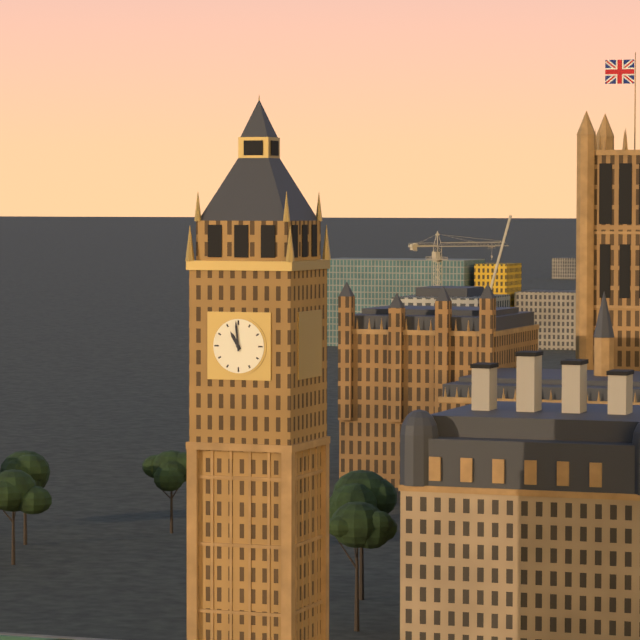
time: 10:59
